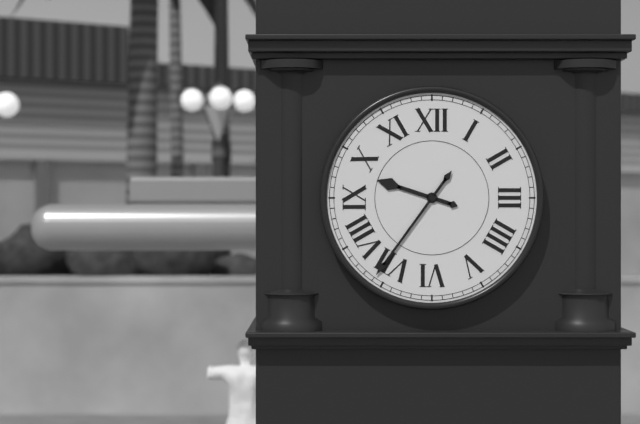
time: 9:36
